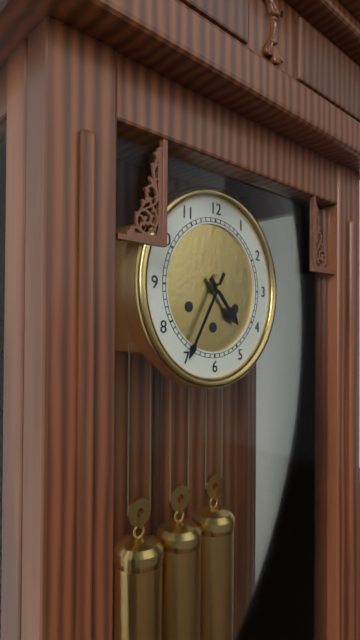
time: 4:35
